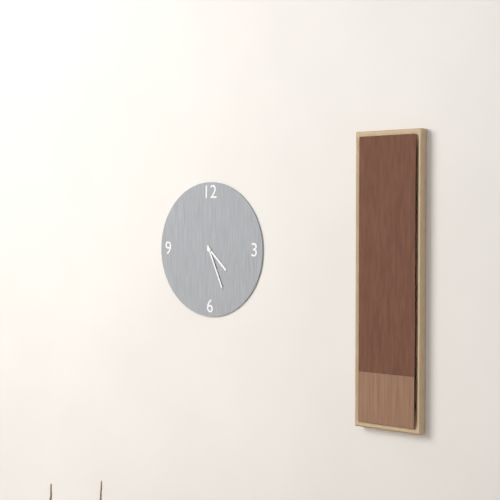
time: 4:26
